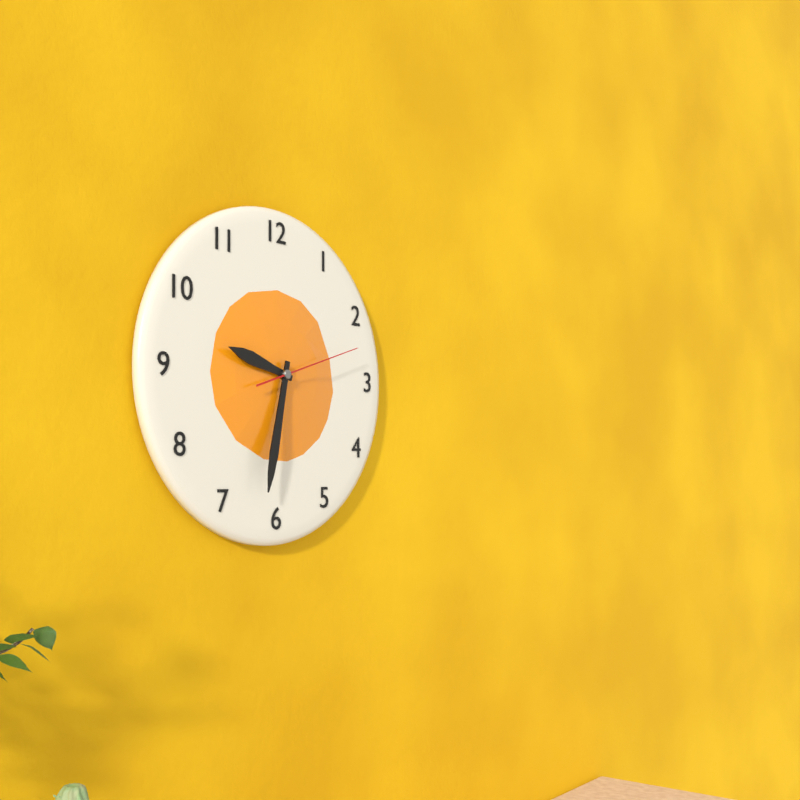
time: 9:32:12
